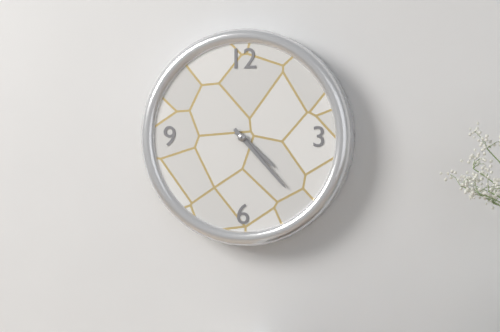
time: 4:23
